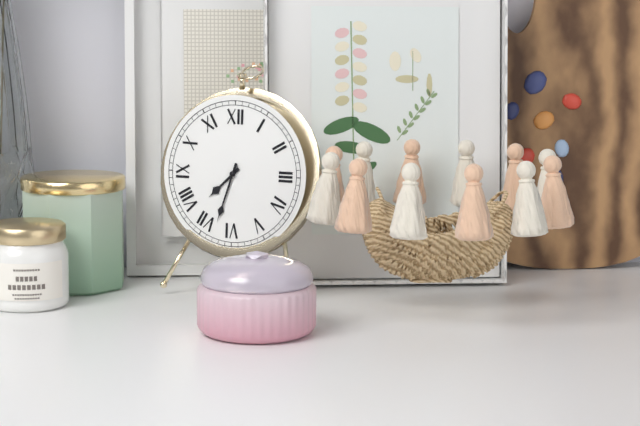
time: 7:33
